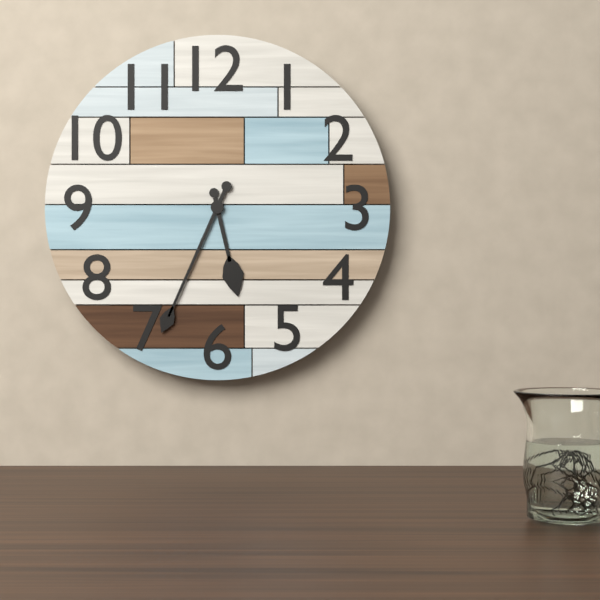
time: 5:34
